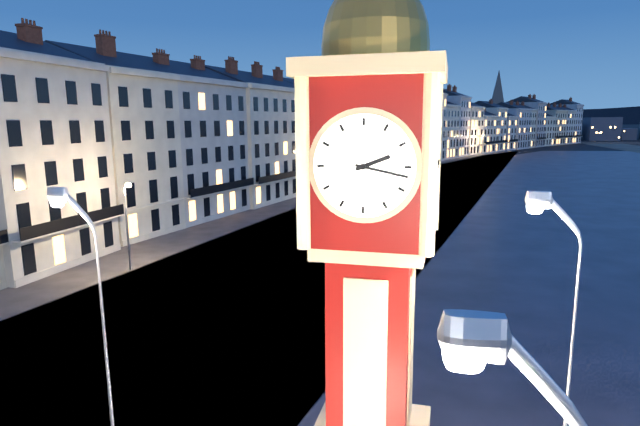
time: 2:17
